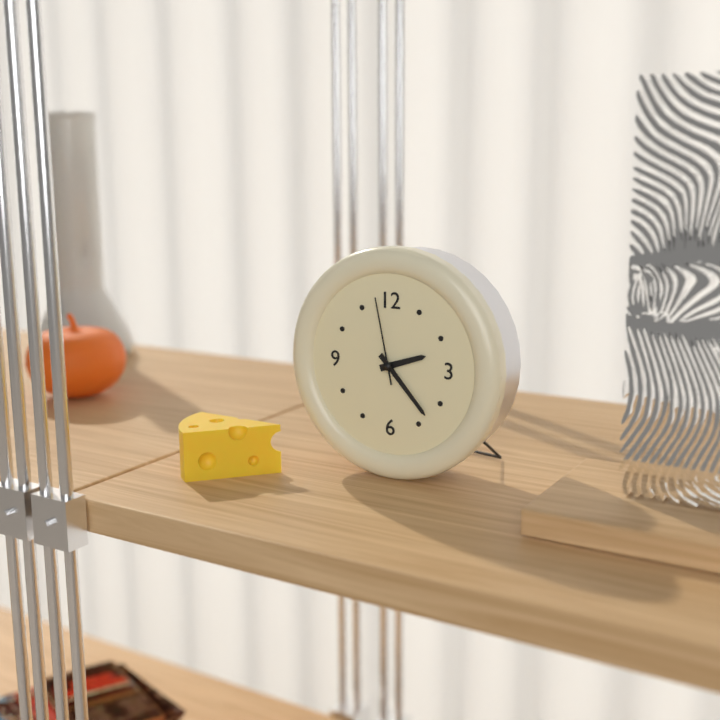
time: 2:23:58
